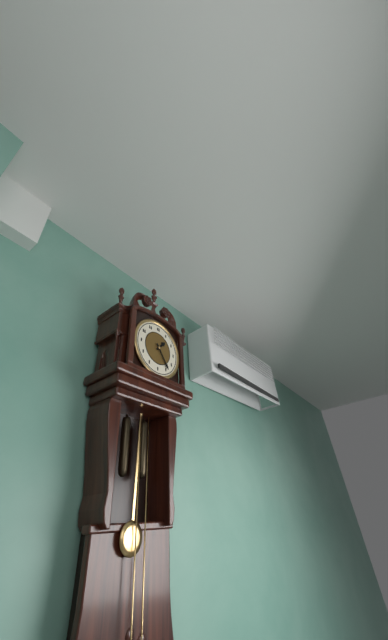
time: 1:24
